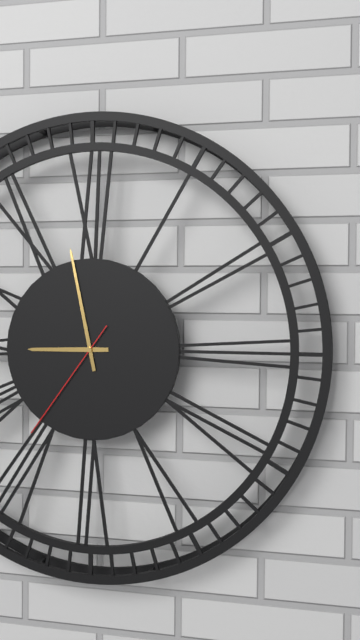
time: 8:58:36
